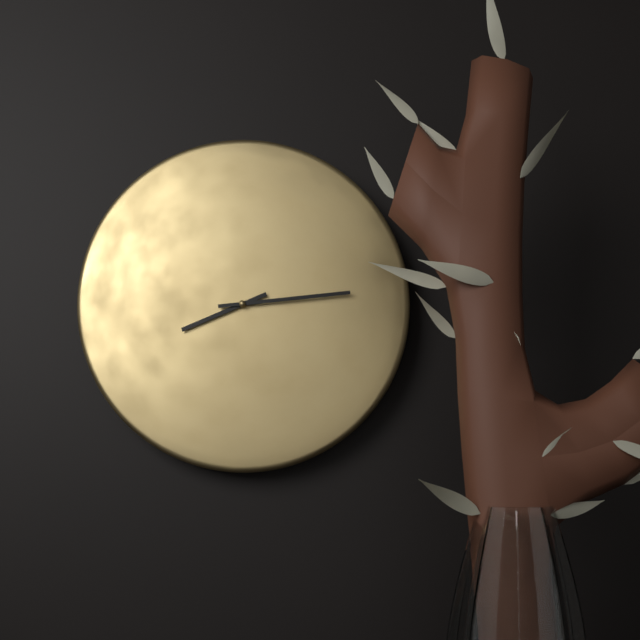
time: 8:14
